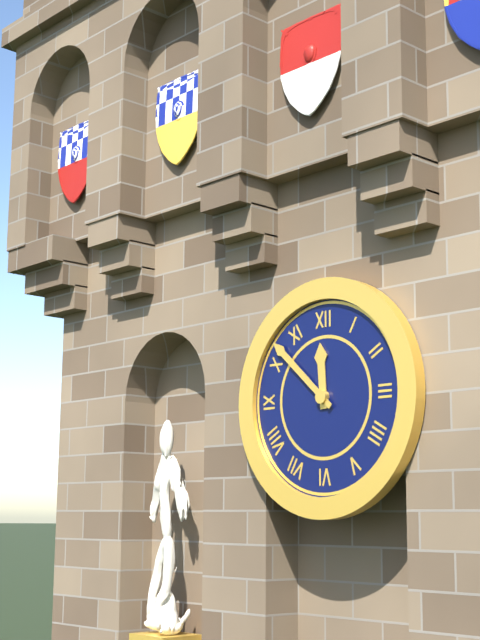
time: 11:52
